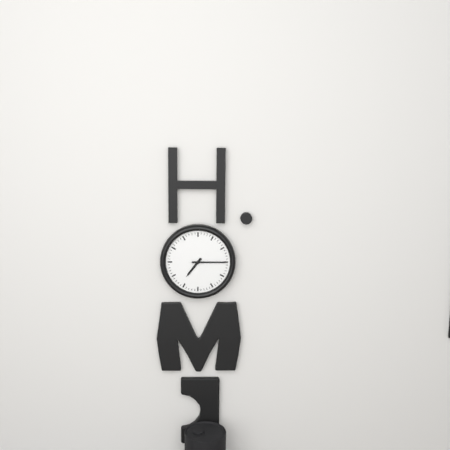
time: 7:15
